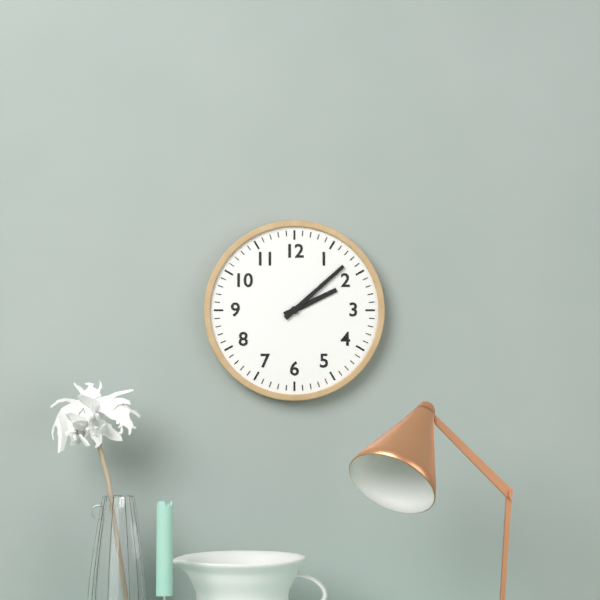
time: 2:08
